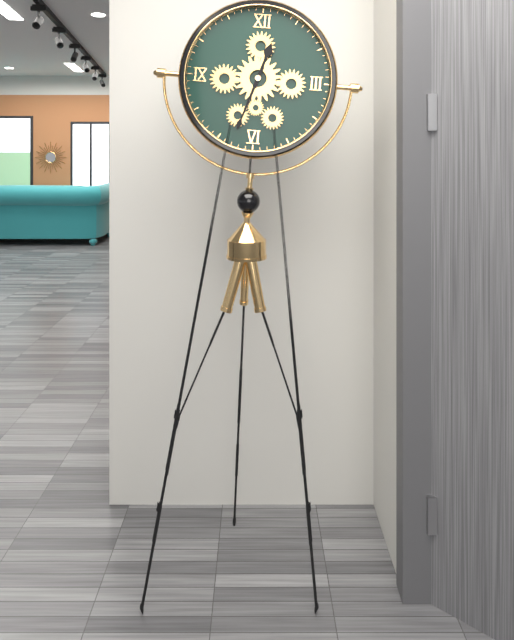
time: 12:33
